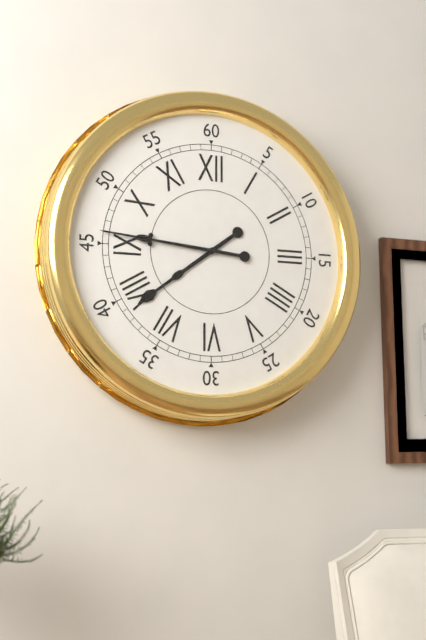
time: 7:46
